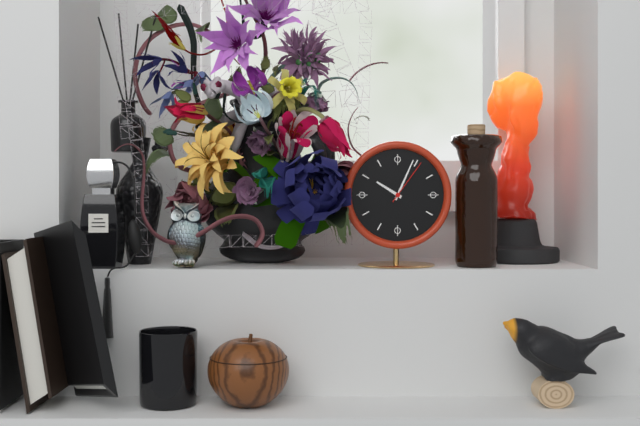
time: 10:04:06
